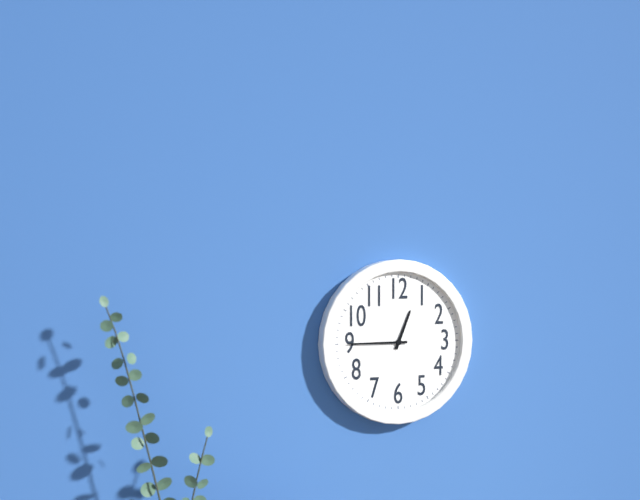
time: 12:45
